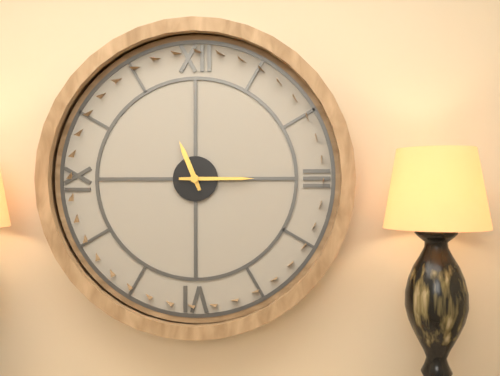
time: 11:15
